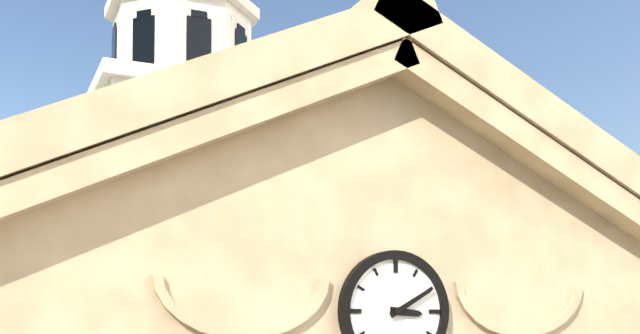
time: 3:10
